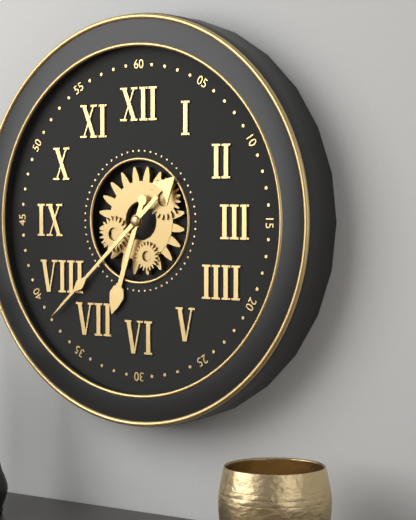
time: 6:38
